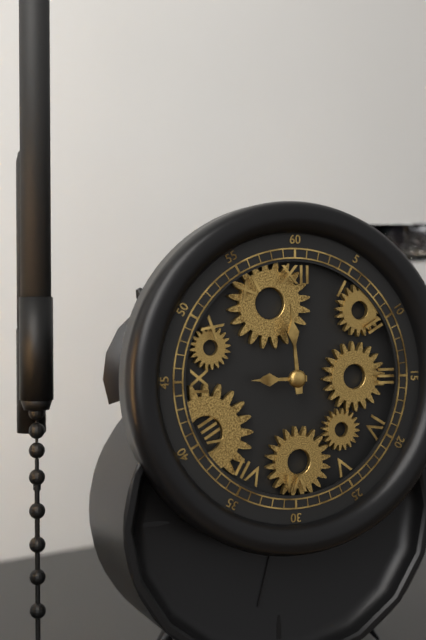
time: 8:59
